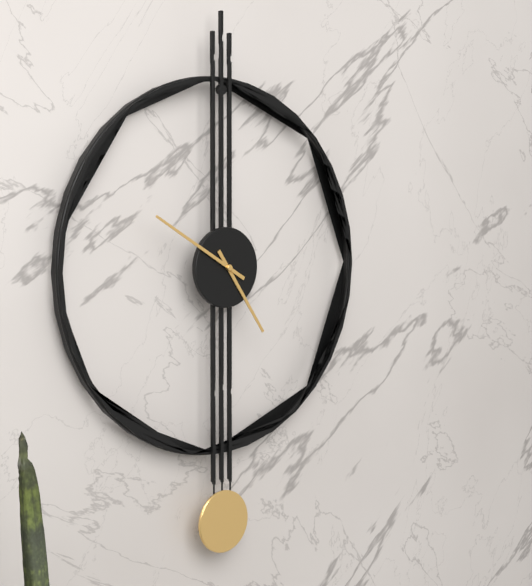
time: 4:50
